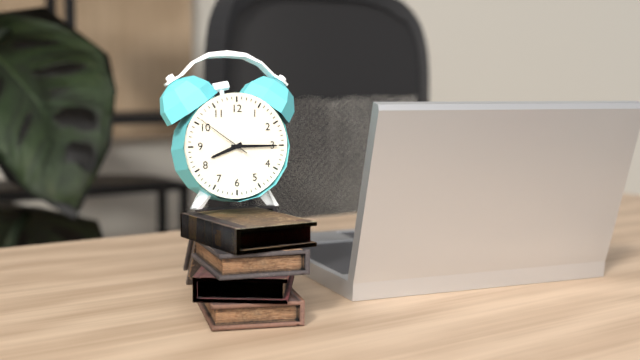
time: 8:15:51
